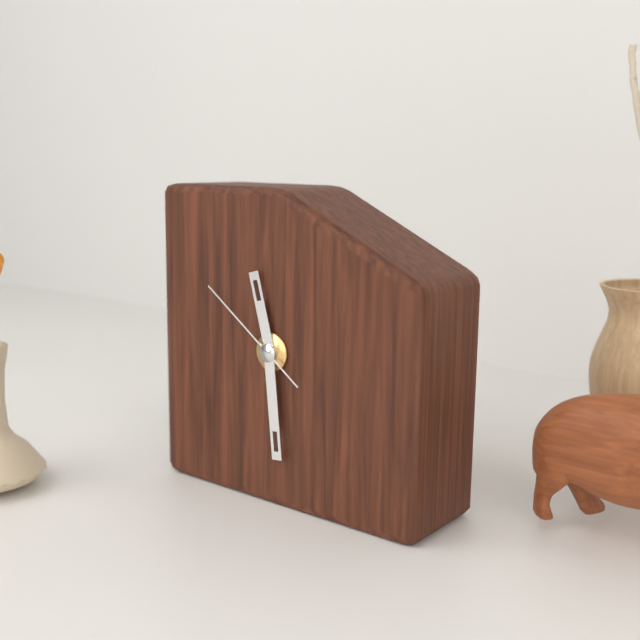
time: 11:29:51
